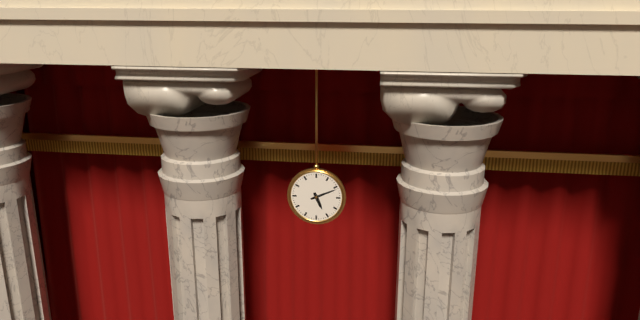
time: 5:11
